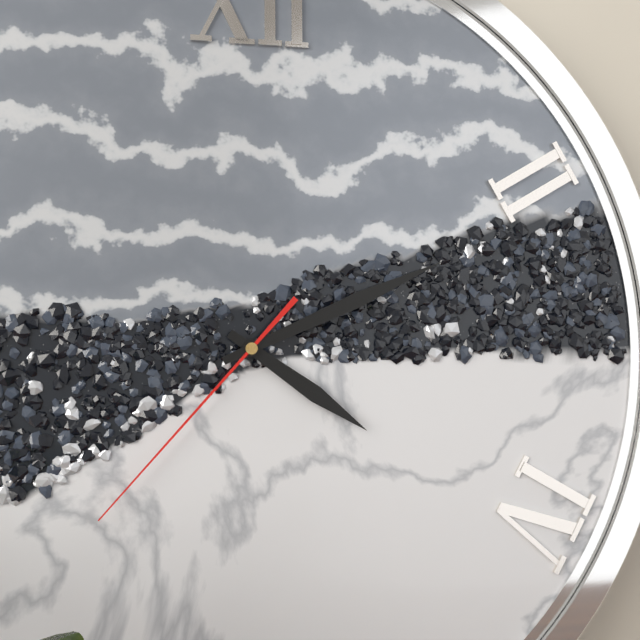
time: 4:11:37
